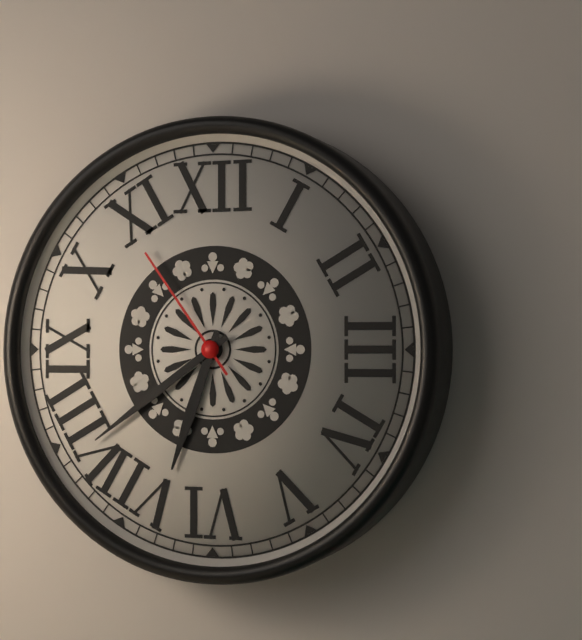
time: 6:39:54
